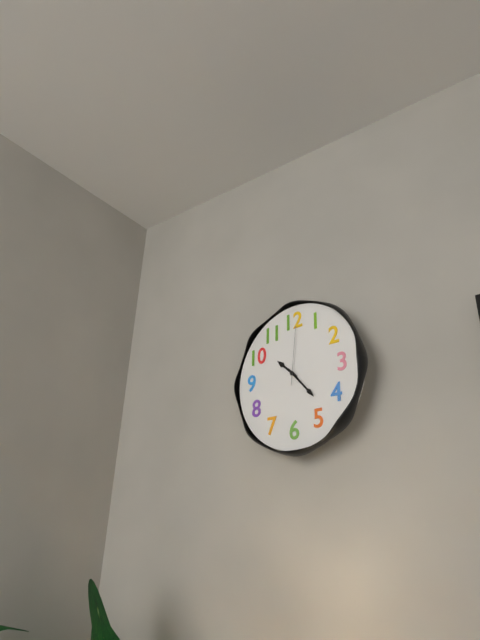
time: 10:23:01
